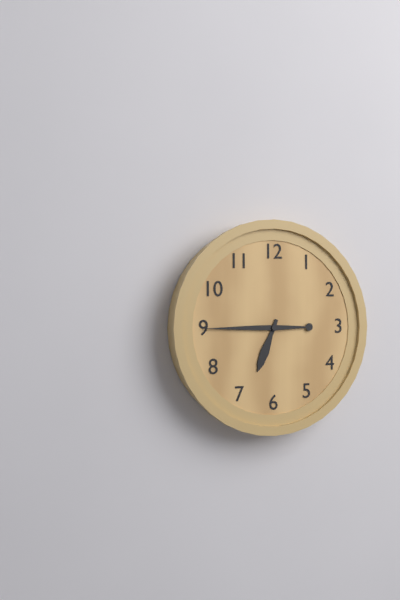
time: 6:45
